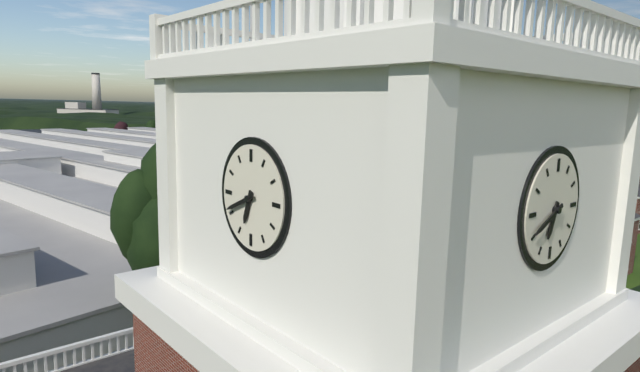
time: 6:41
